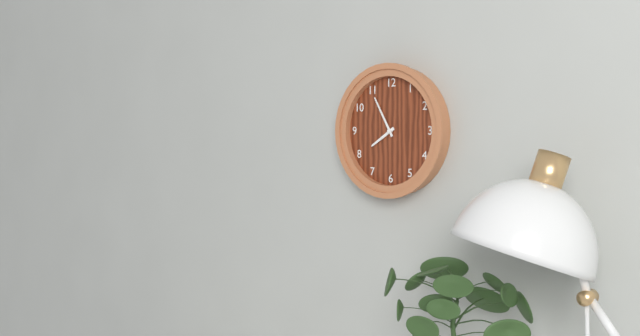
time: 7:55
